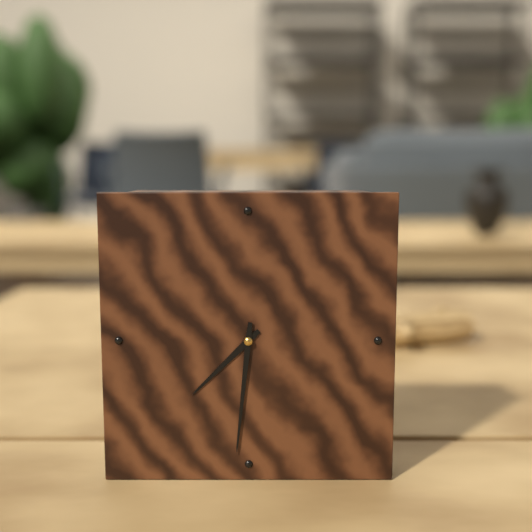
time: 7:31
